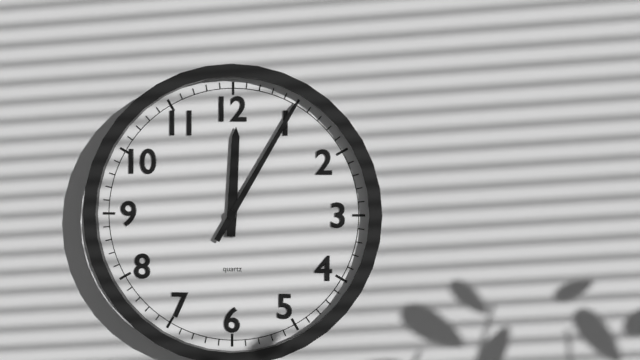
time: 12:05
